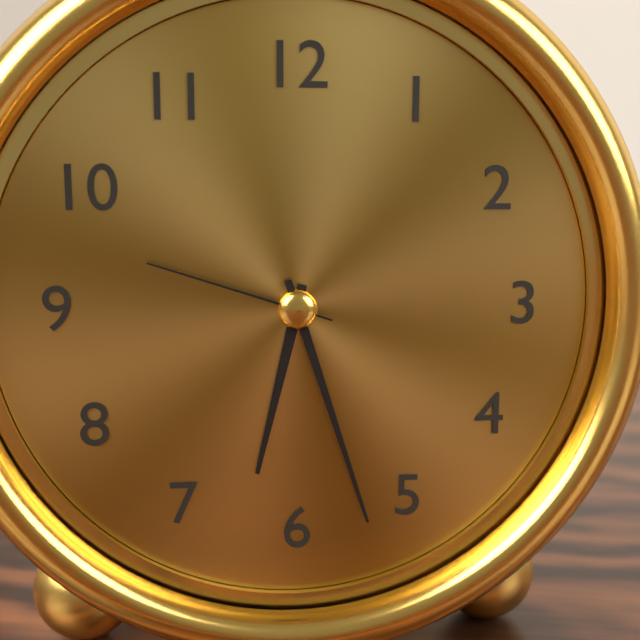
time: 6:27:48
